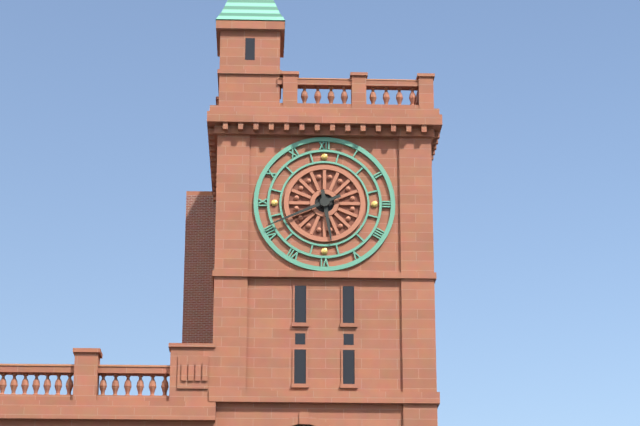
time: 5:41
